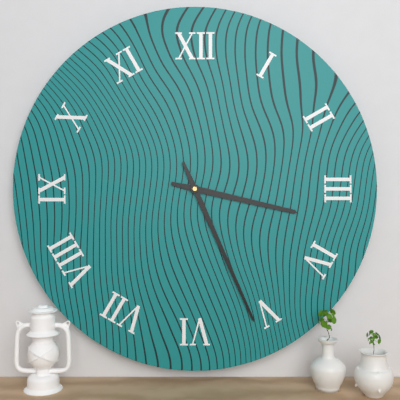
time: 3:26
